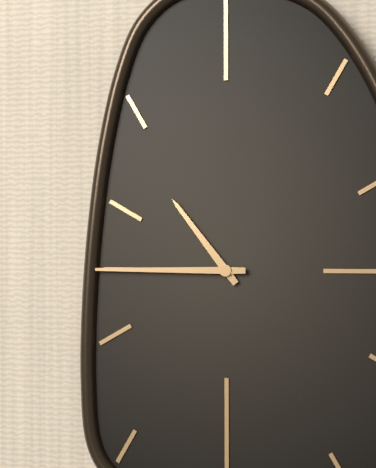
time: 10:45
